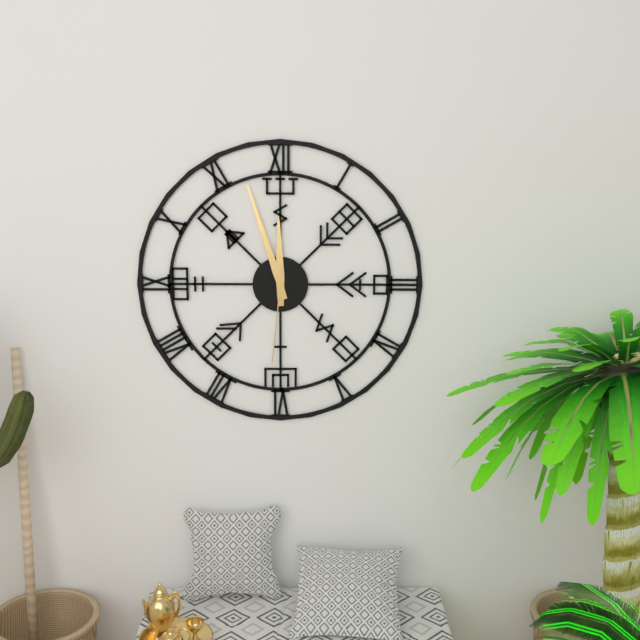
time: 11:57:31
